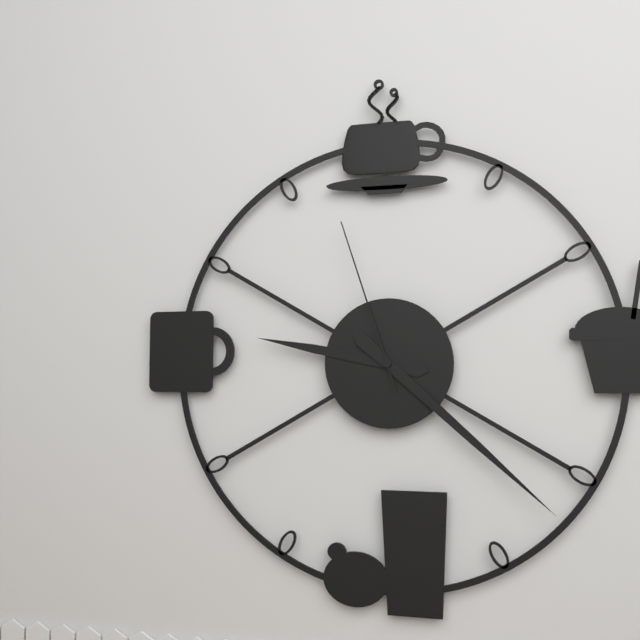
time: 9:22:57
